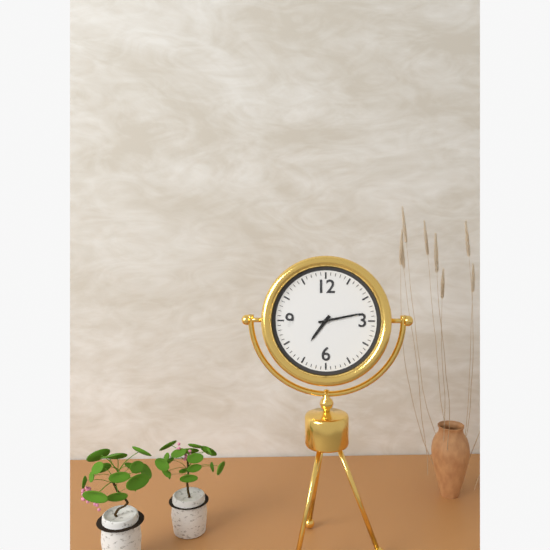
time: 7:13
